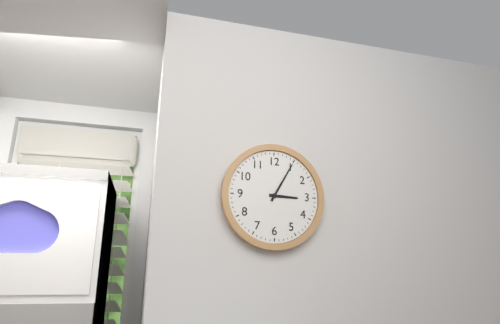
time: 3:05
